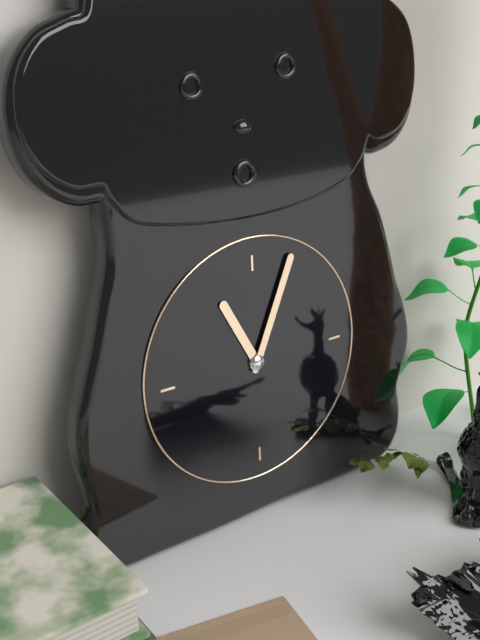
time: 11:04
